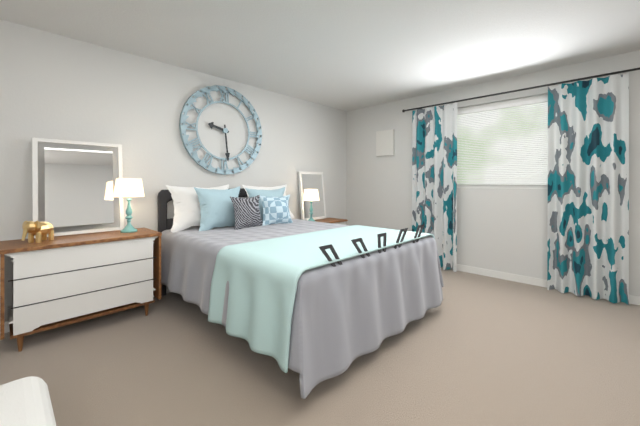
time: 9:29
